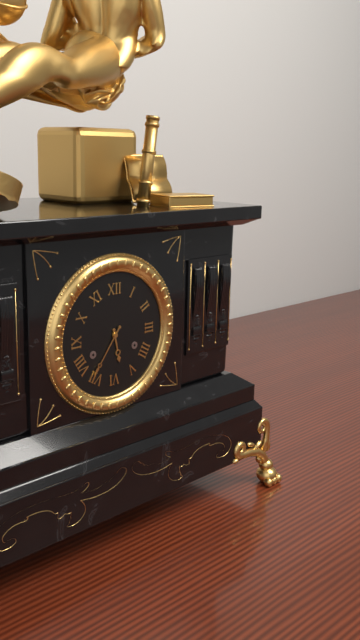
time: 5:36
